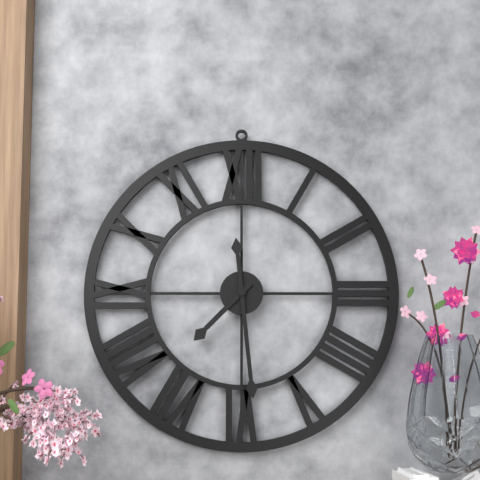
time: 7:29
